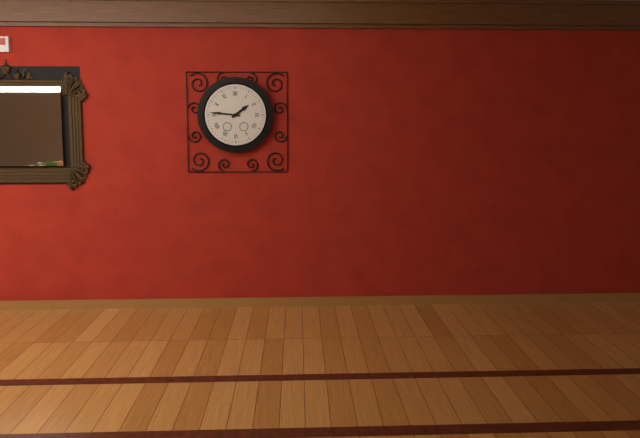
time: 1:46
